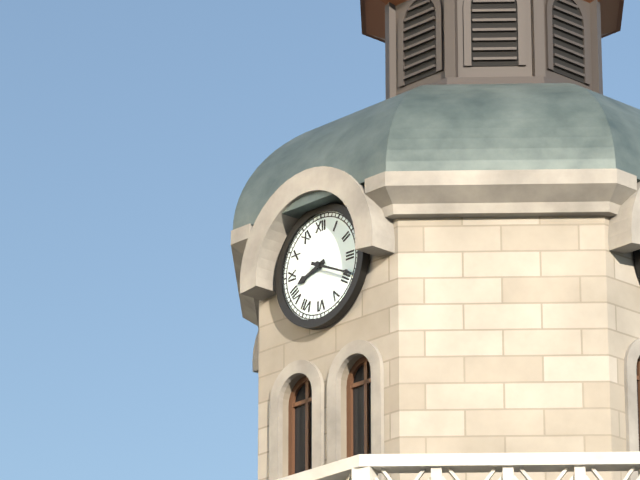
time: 8:19
